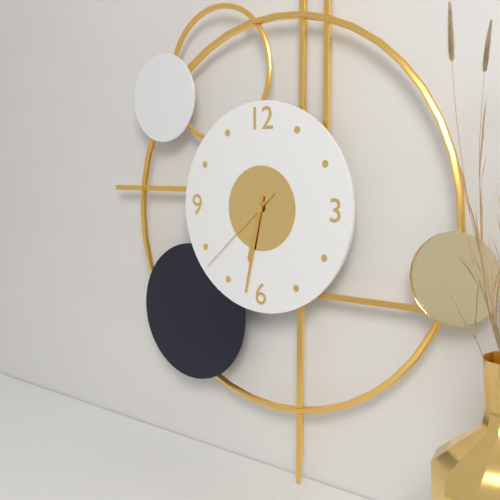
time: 6:32:38
